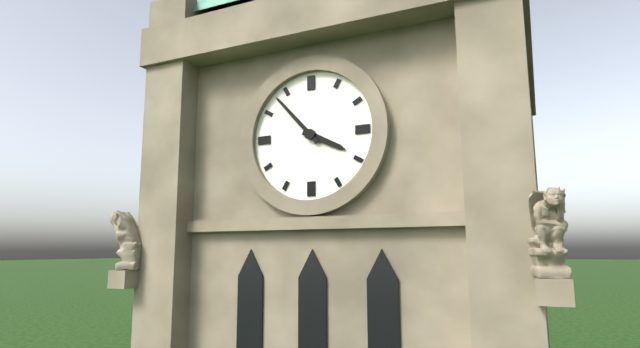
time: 3:53
